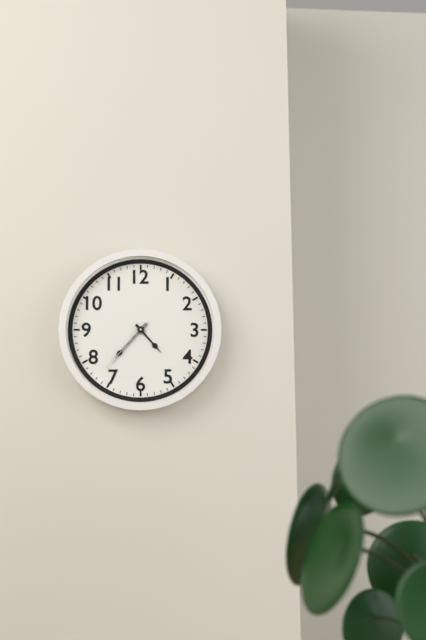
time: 4:37:37
